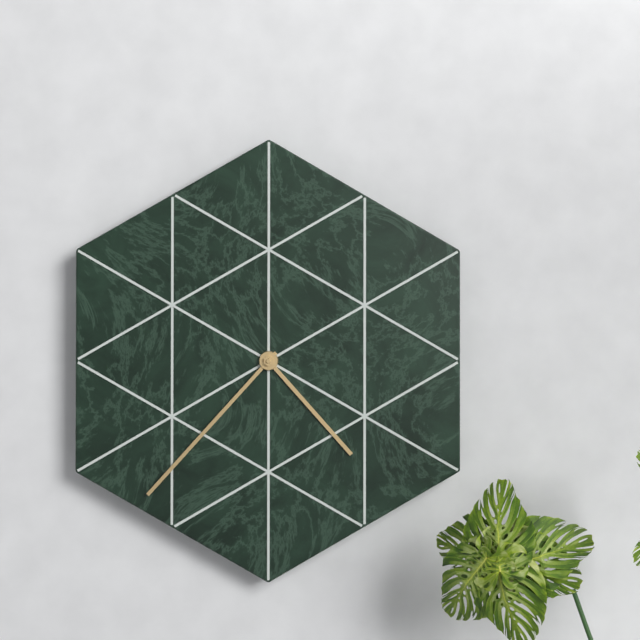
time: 4:37
